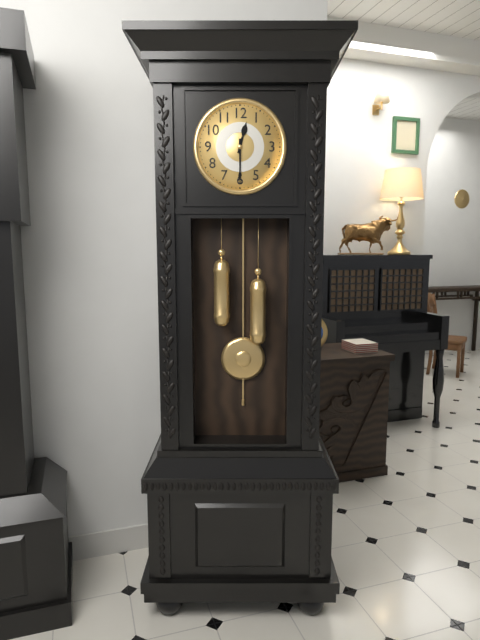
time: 12:30
